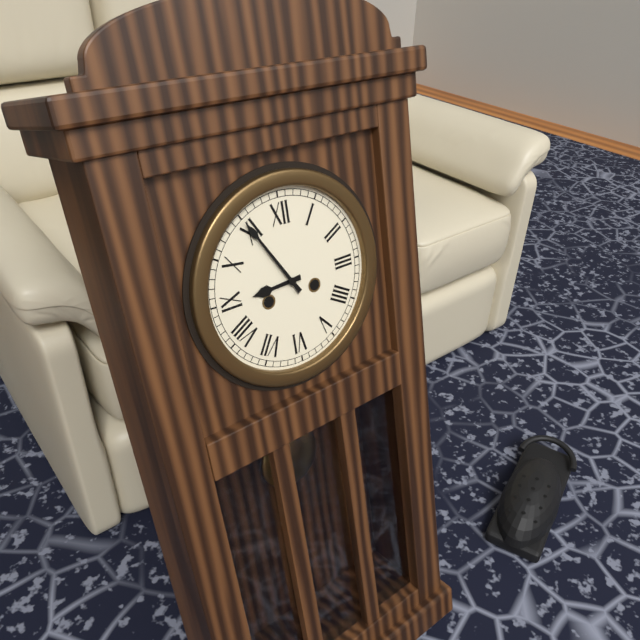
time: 8:55
